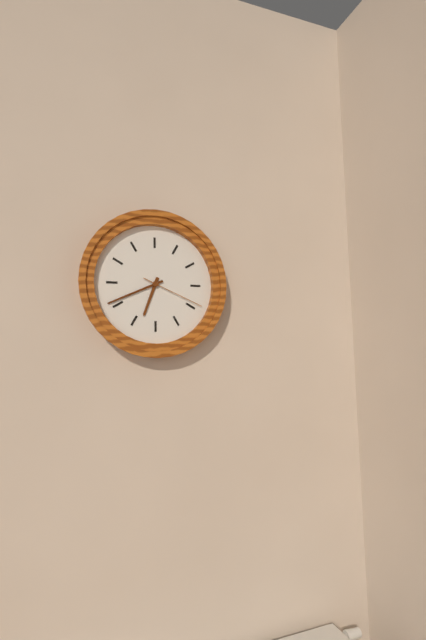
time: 6:41:19
